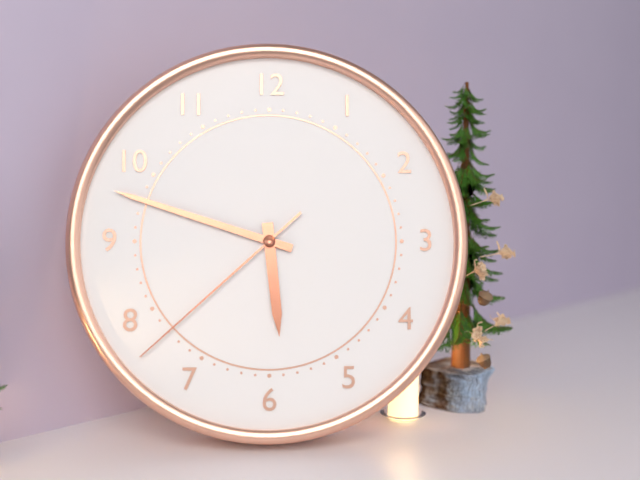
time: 5:48:38
